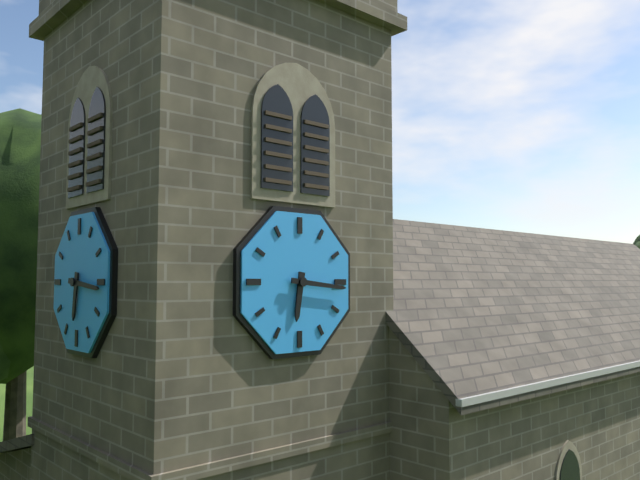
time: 6:16
